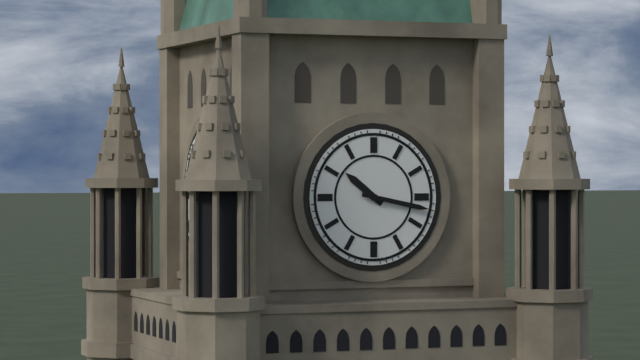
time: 10:17
